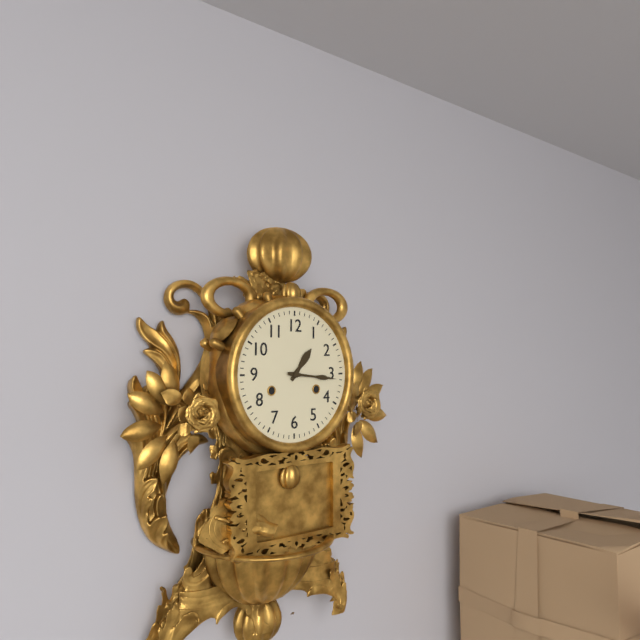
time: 1:16
